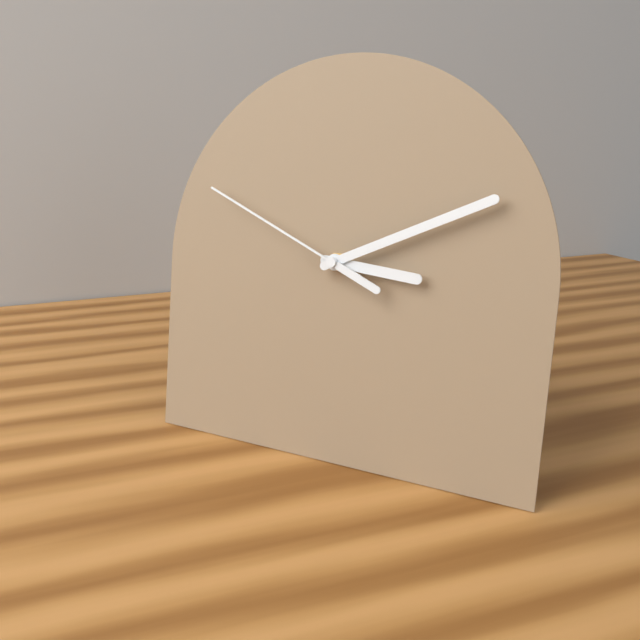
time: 3:11:49
